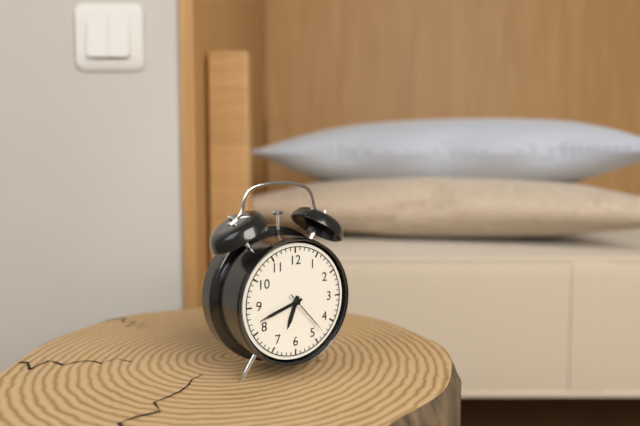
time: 6:42:23
